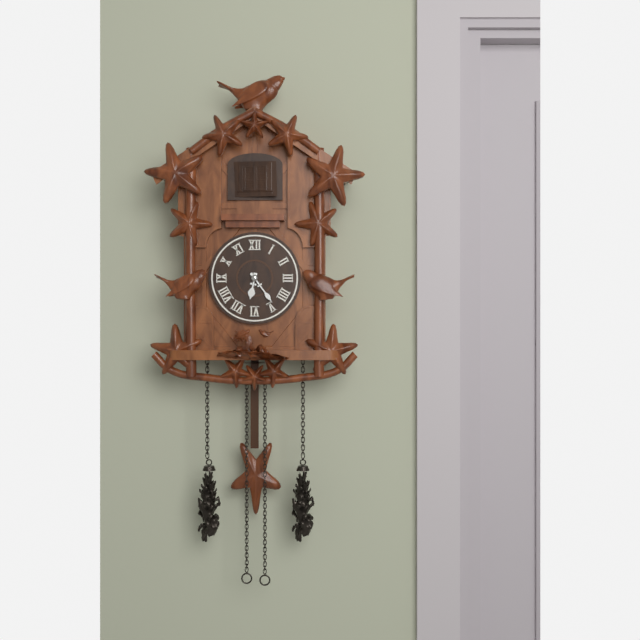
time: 6:24
